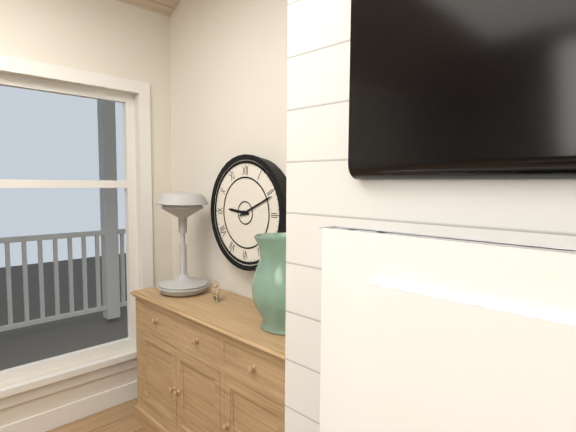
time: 9:11
